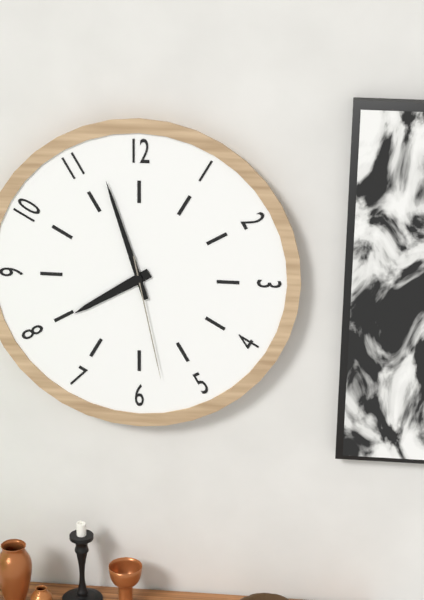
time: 7:57:28
